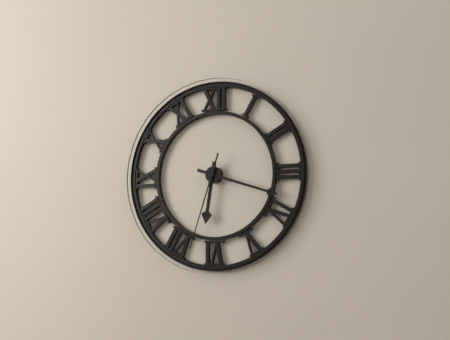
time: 6:18:33
